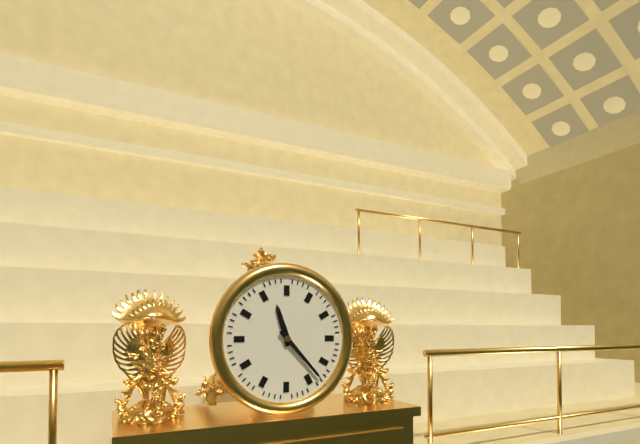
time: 11:23
